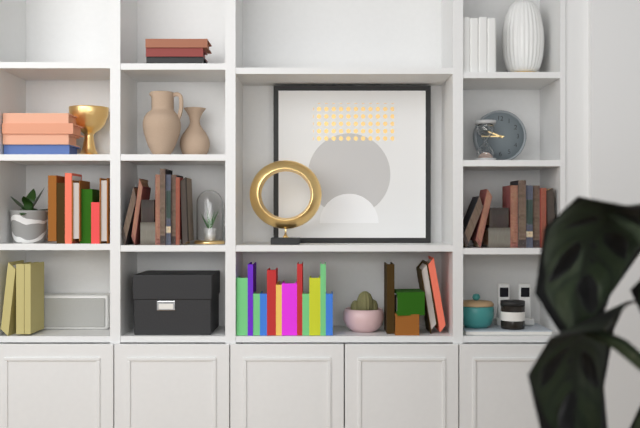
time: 9:45
